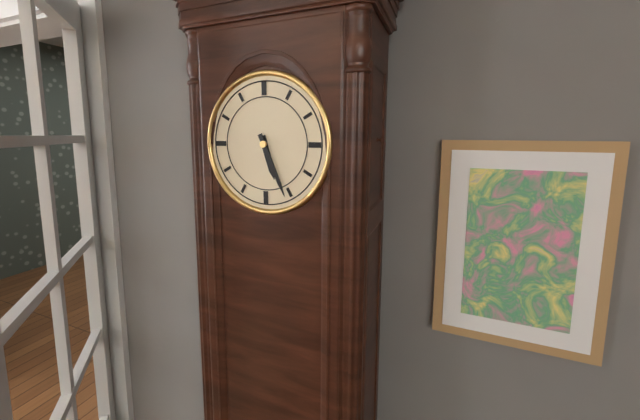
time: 5:26
